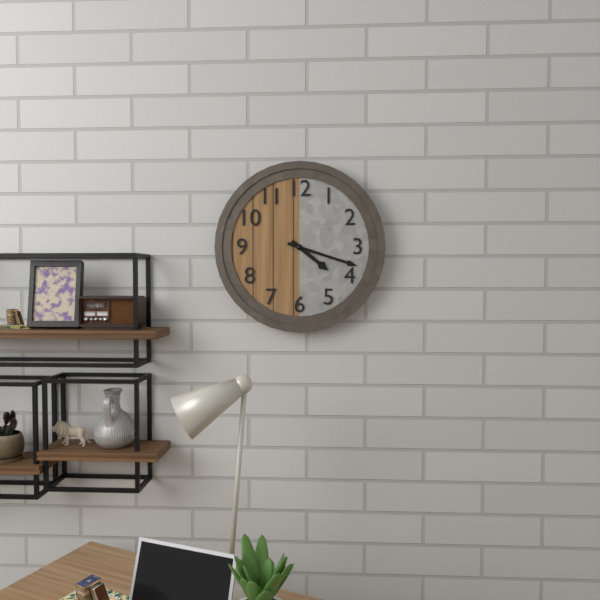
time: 4:18
